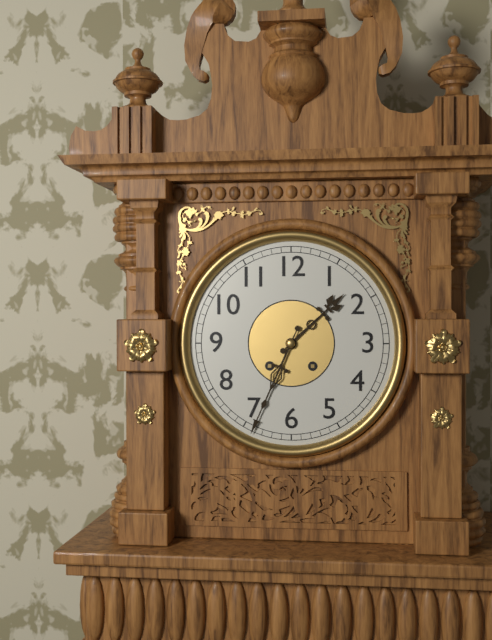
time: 1:34
